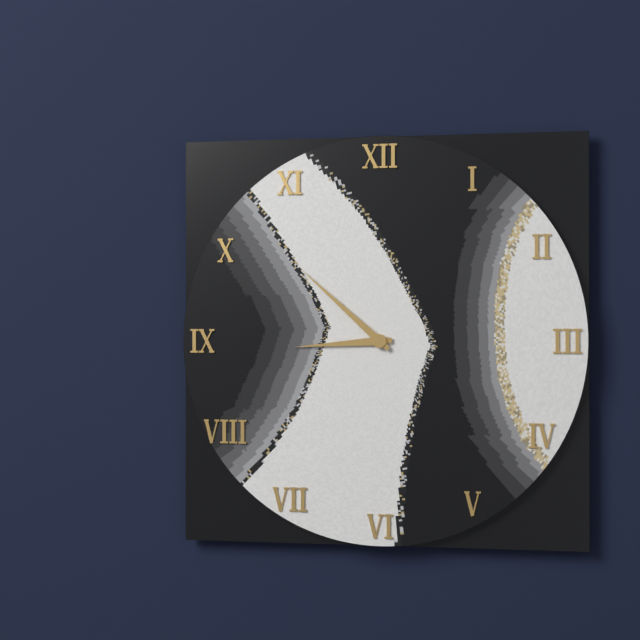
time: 8:52
